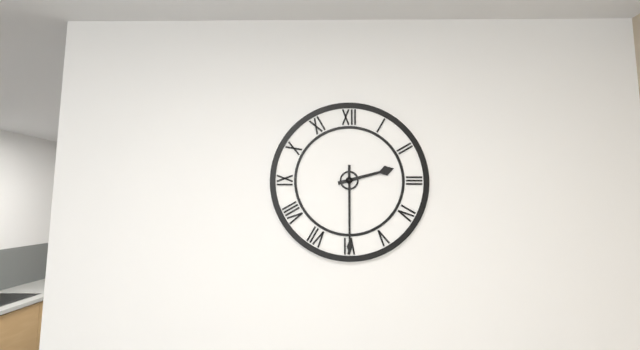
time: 2:30
